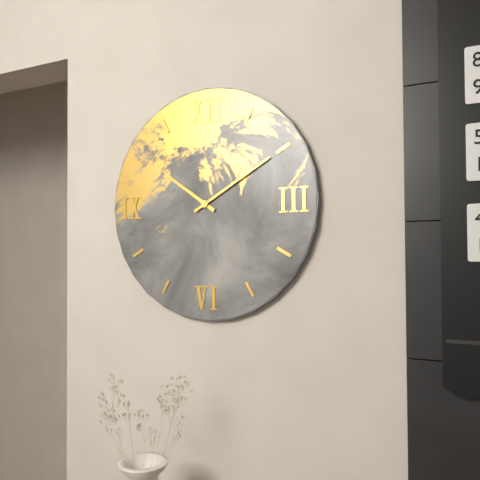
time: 10:10
